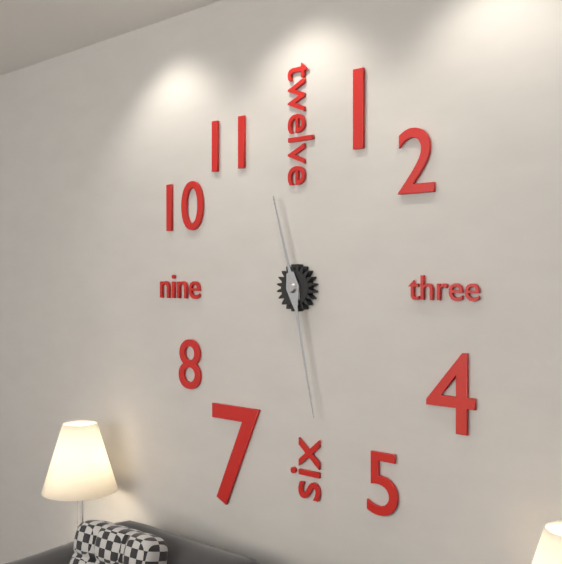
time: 11:28
